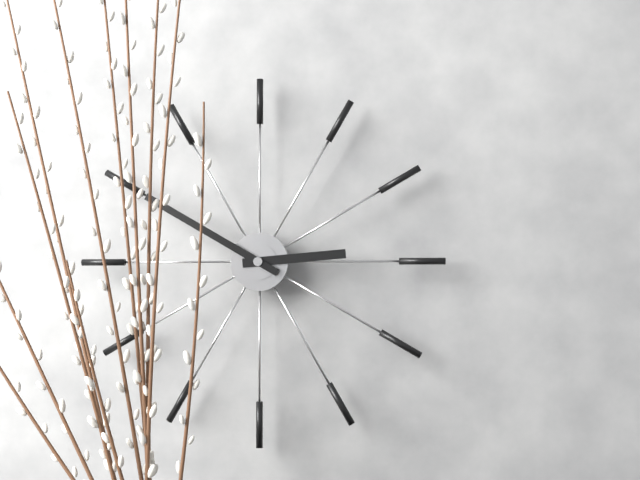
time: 2:50
